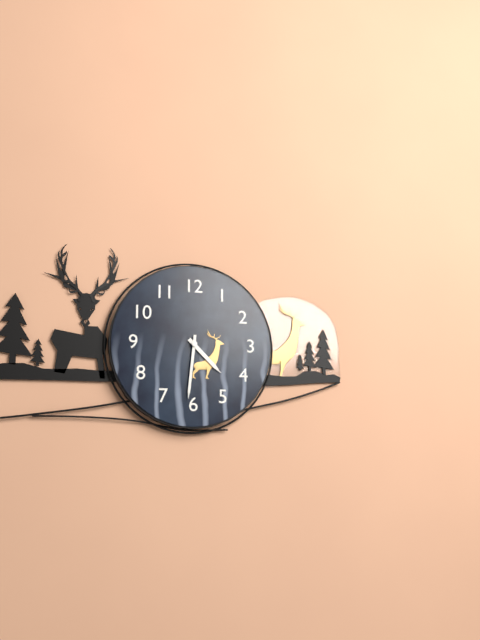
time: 4:31
